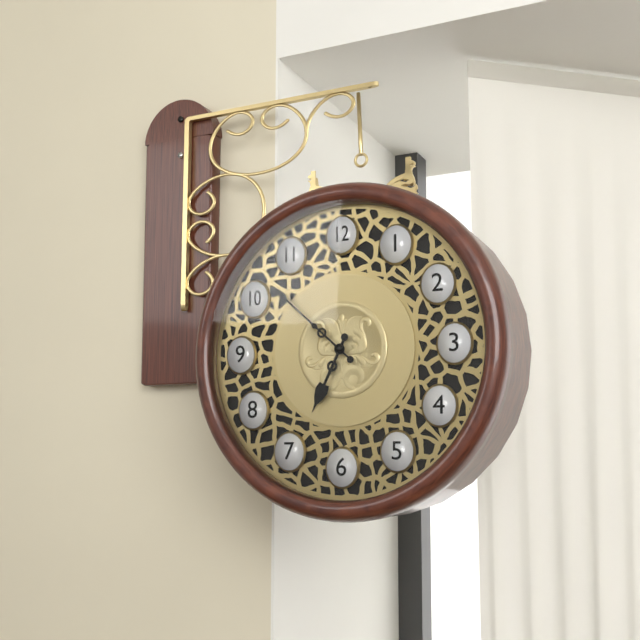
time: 6:52
